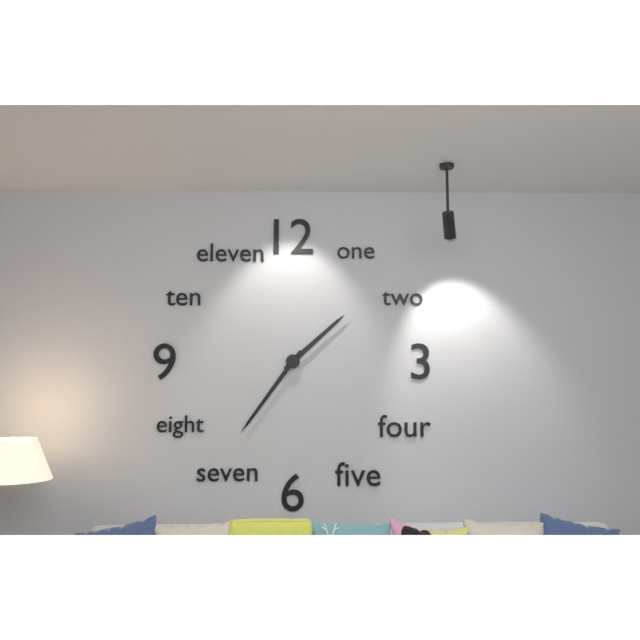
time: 1:36
